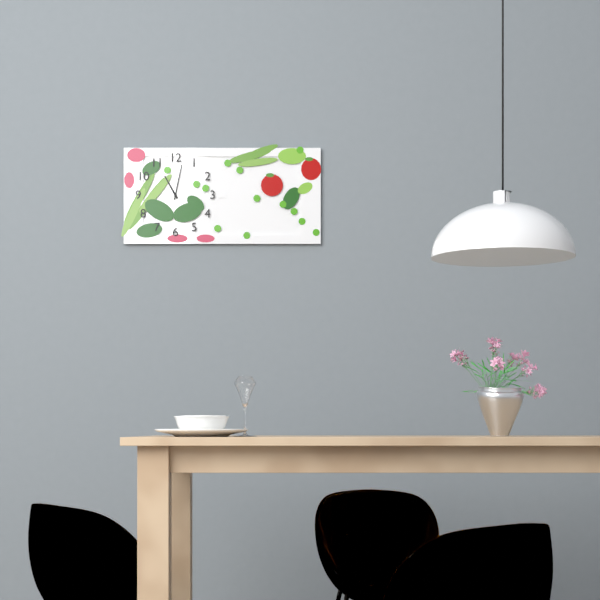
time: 11:02
